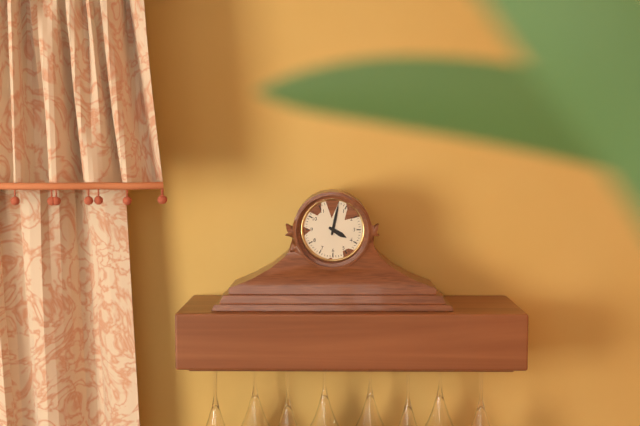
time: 4:02
